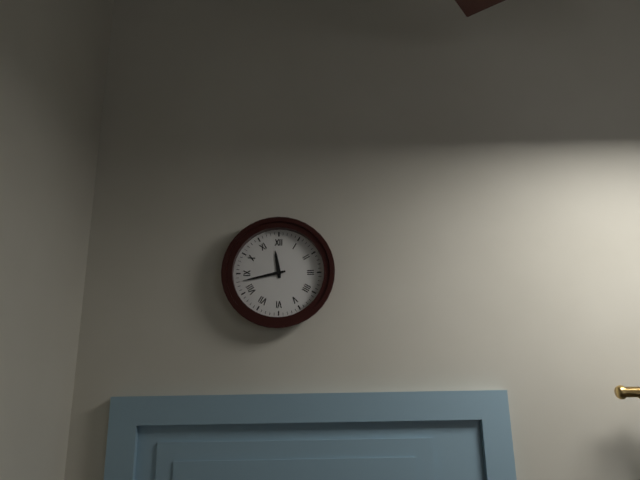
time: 11:43
